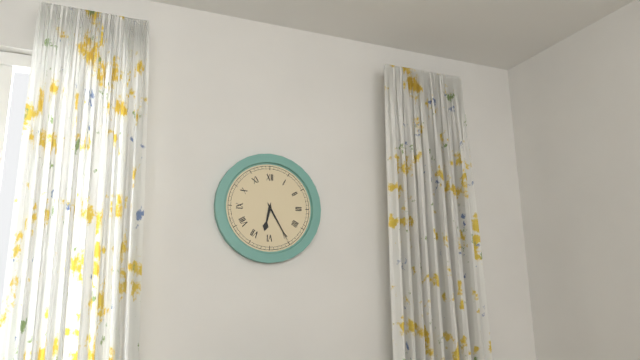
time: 6:25
